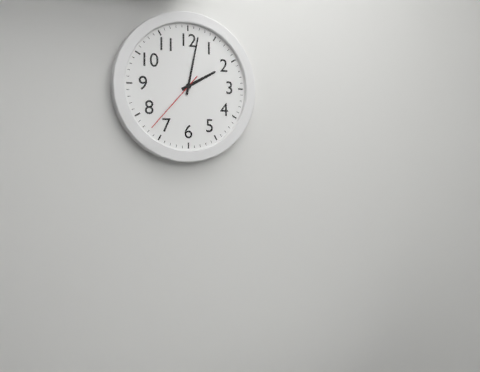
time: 2:02:37
